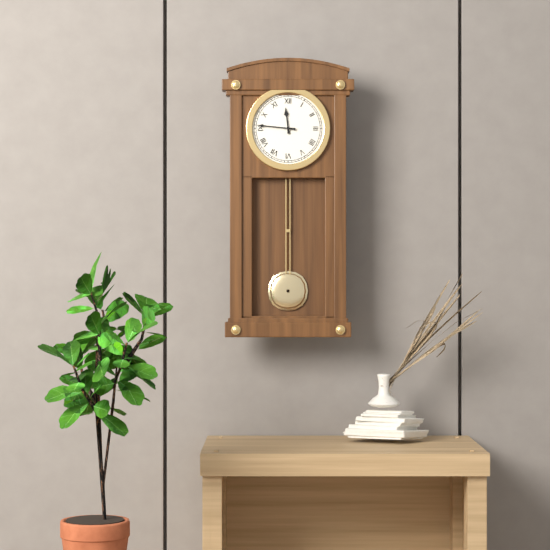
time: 11:46
